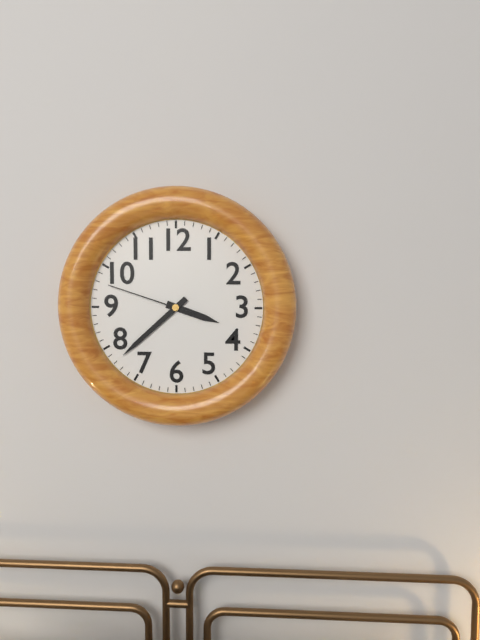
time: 3:38:48
